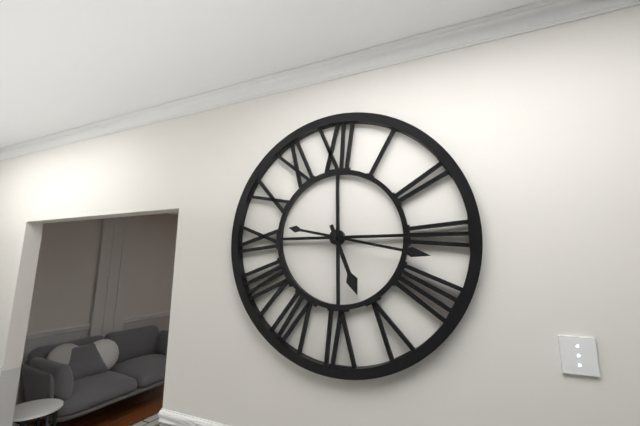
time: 5:17
